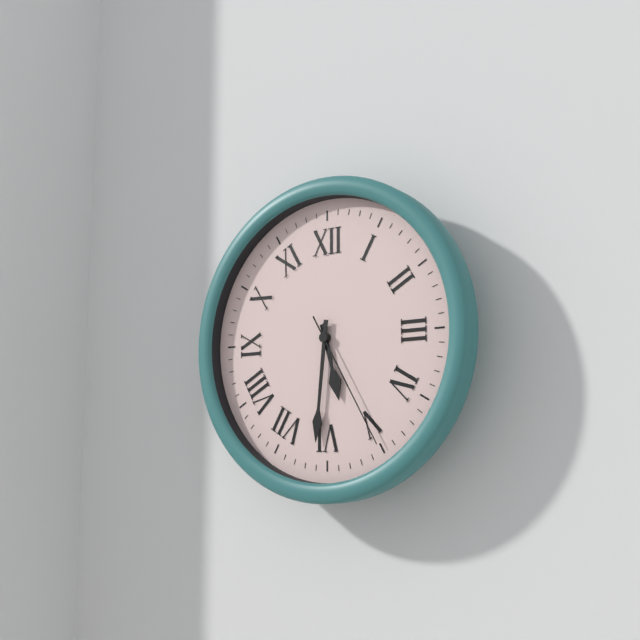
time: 5:31:25
